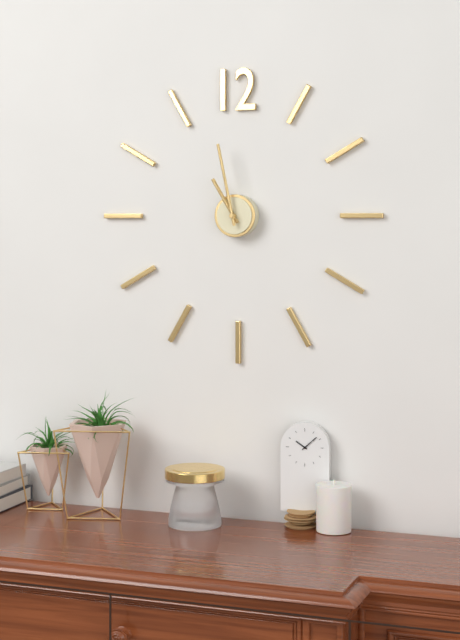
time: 10:58
